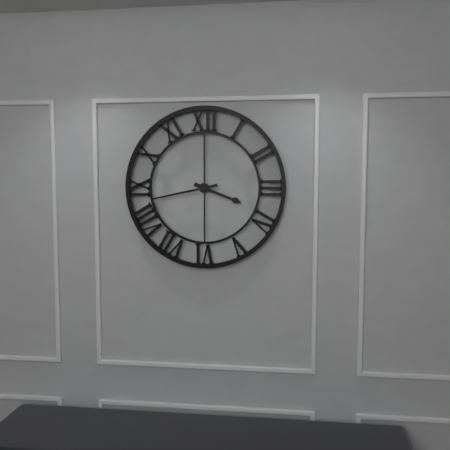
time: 3:43
